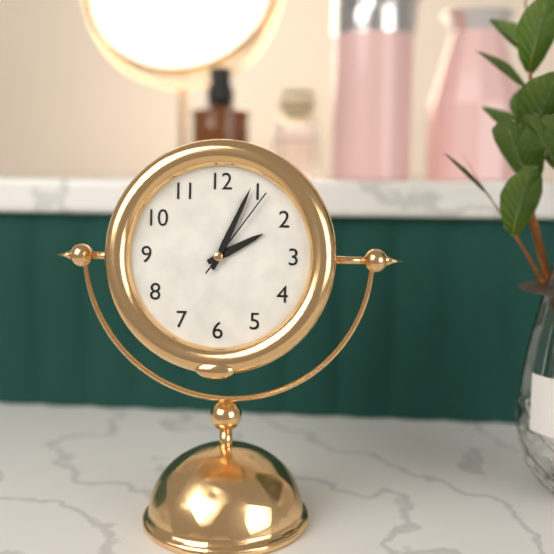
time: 2:04:06
